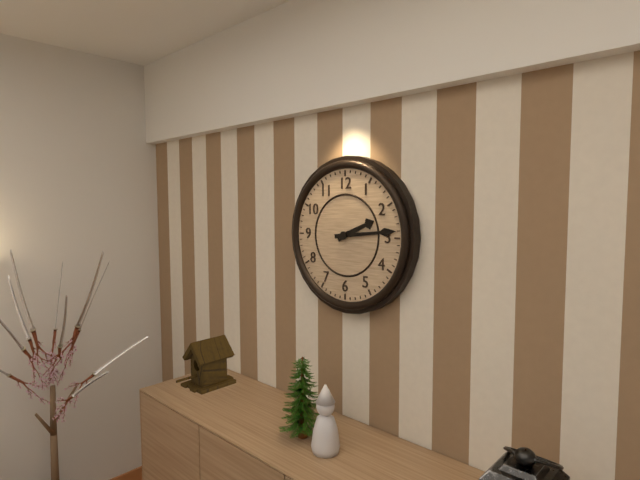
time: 2:14
